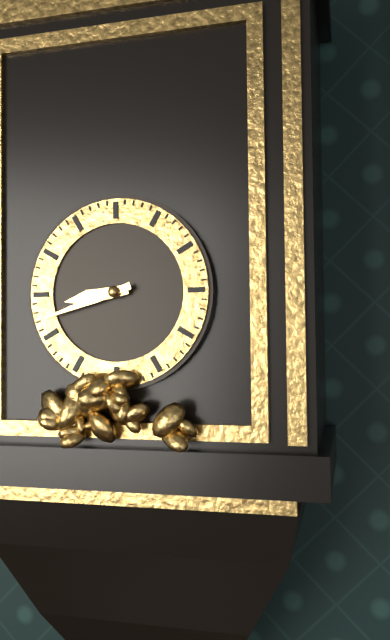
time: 8:42
